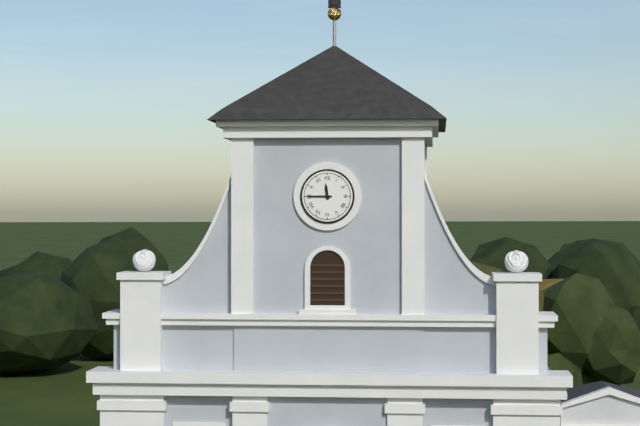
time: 11:45
